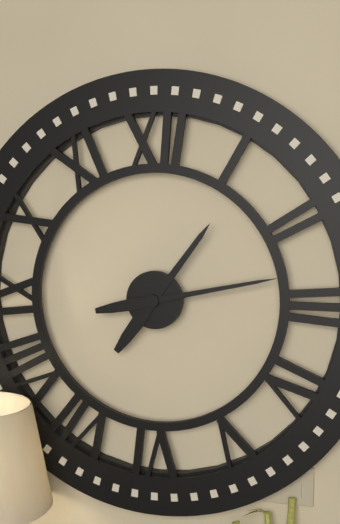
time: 1:13
